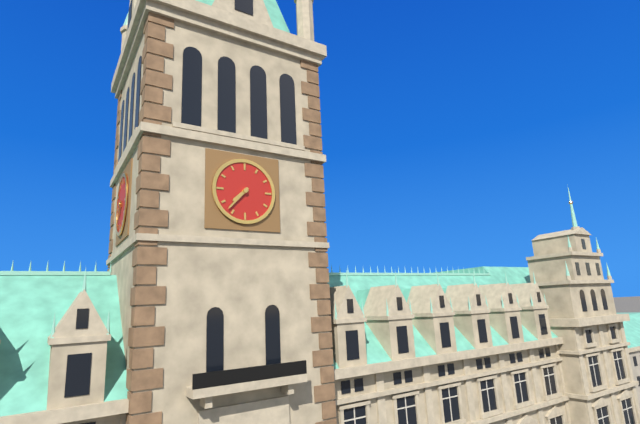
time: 7:37
